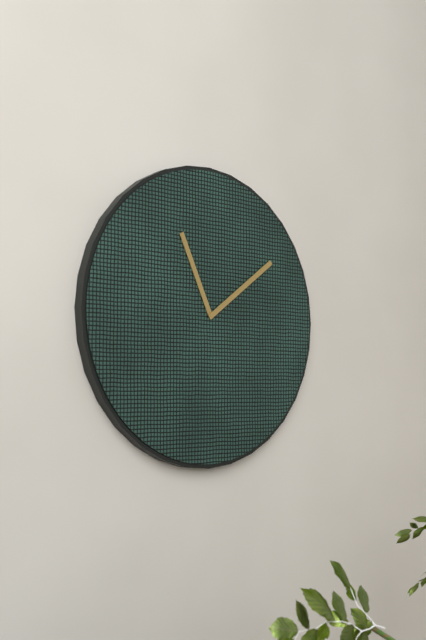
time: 11:09
